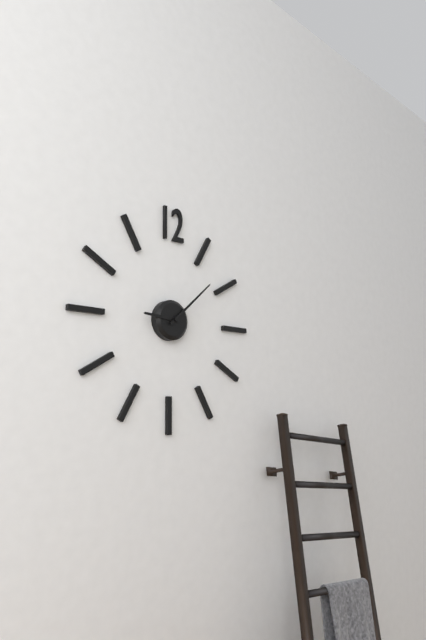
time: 9:08
